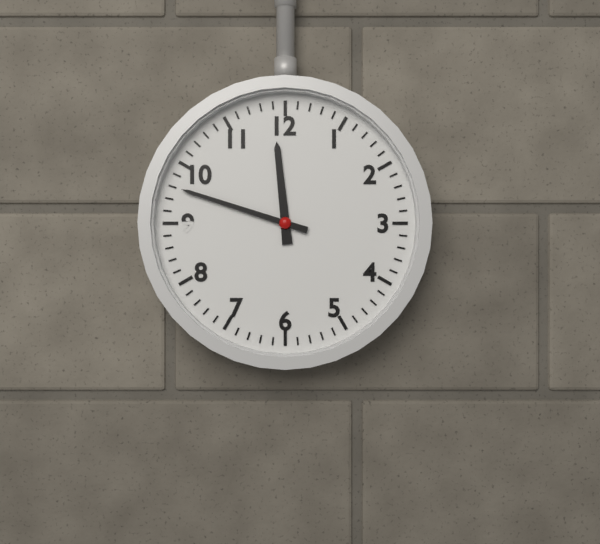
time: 11:48
